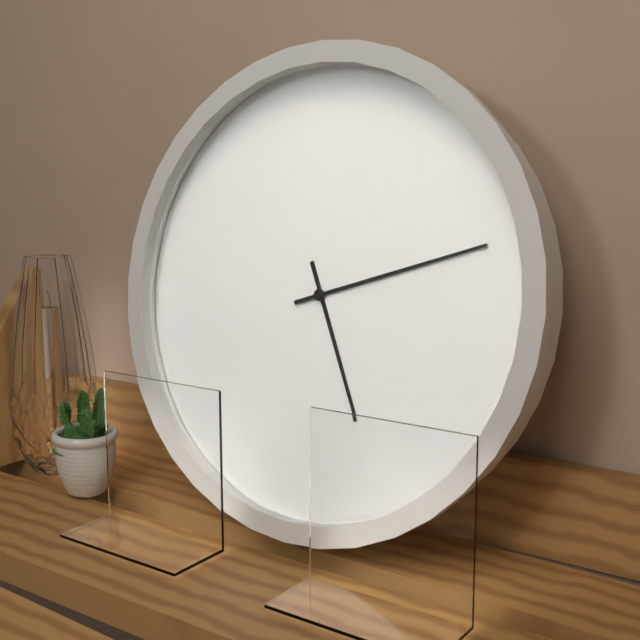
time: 5:12
